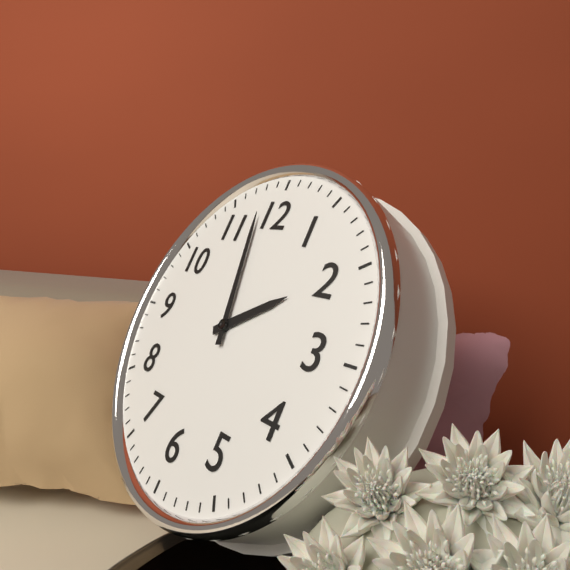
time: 1:58
